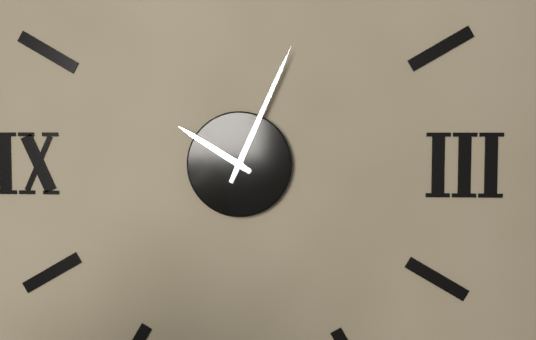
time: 10:04
